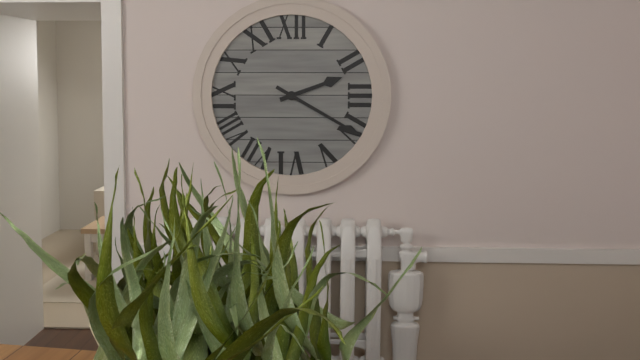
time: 2:20
